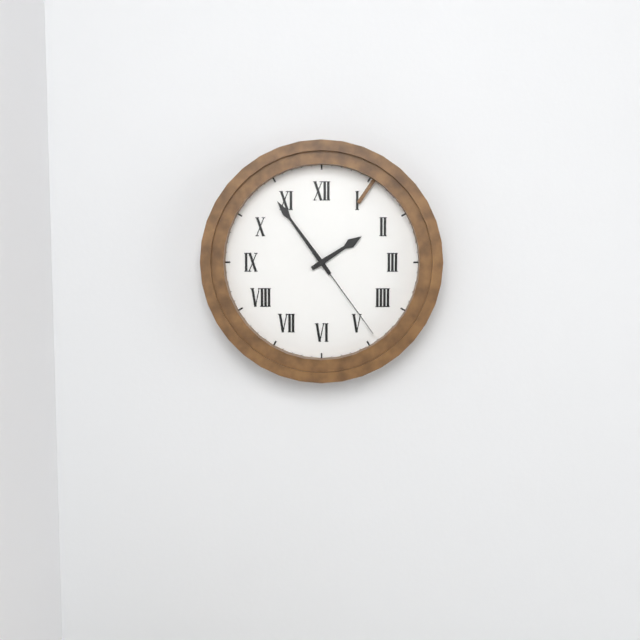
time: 1:54:24
